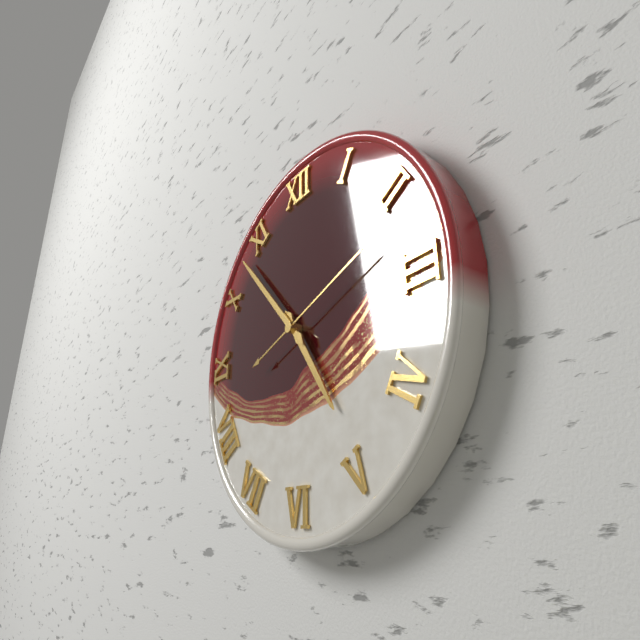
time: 4:53:12
